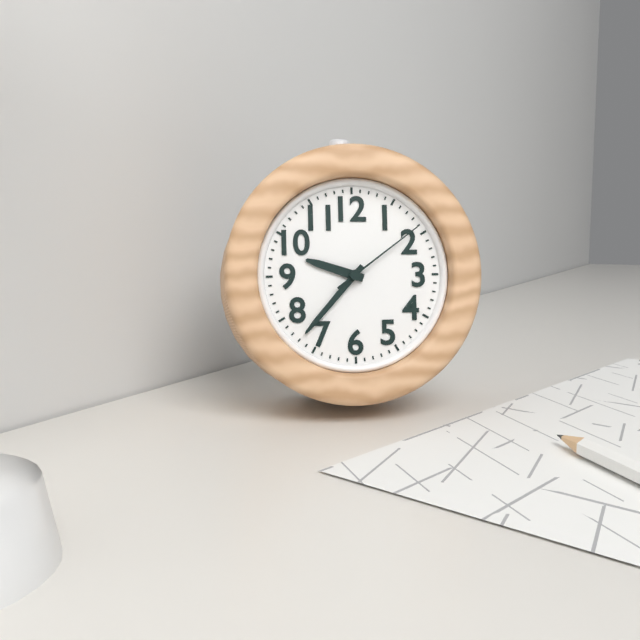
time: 9:37:09
